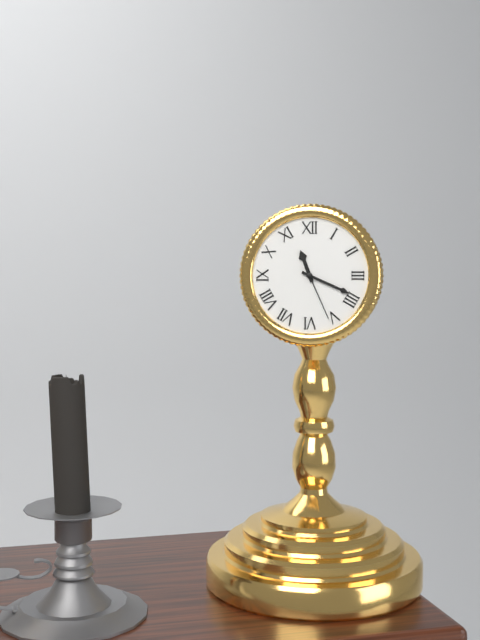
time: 11:19:26
